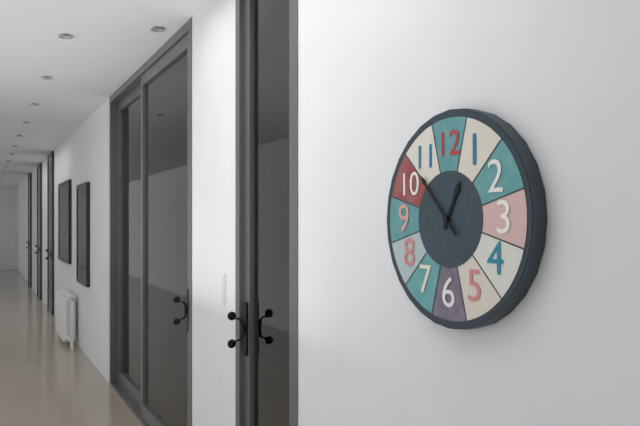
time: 12:53
